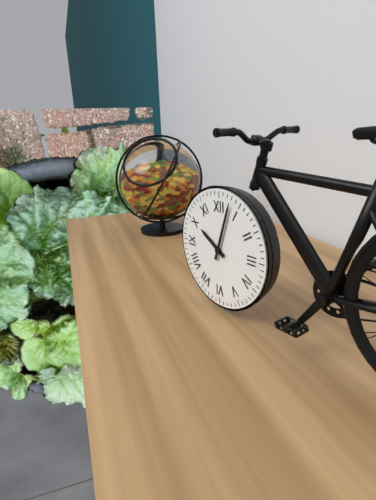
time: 10:03
